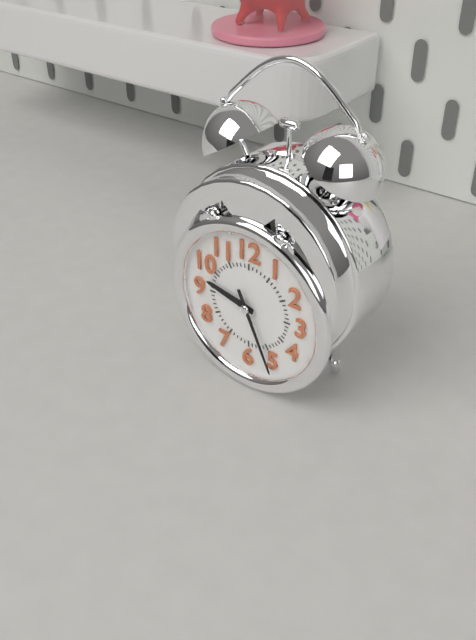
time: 9:26
